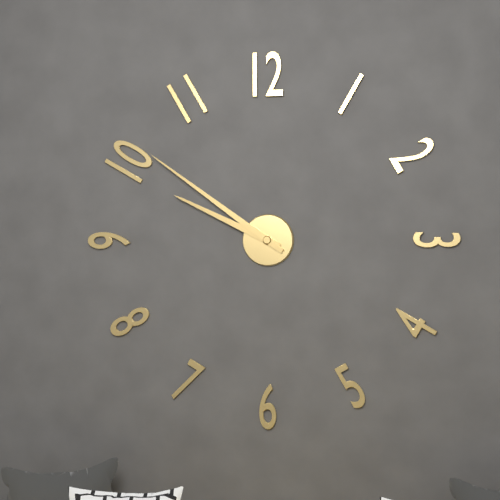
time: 9:51
